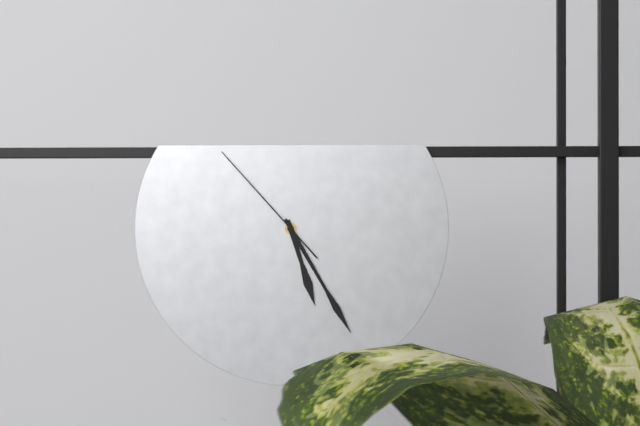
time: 5:25:53
